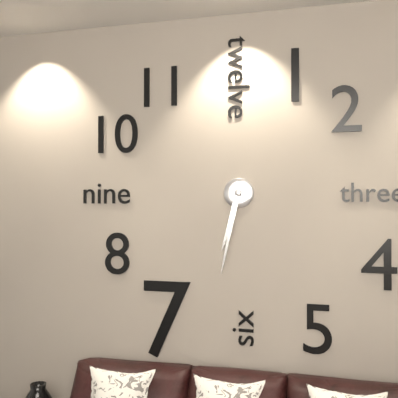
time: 6:32
